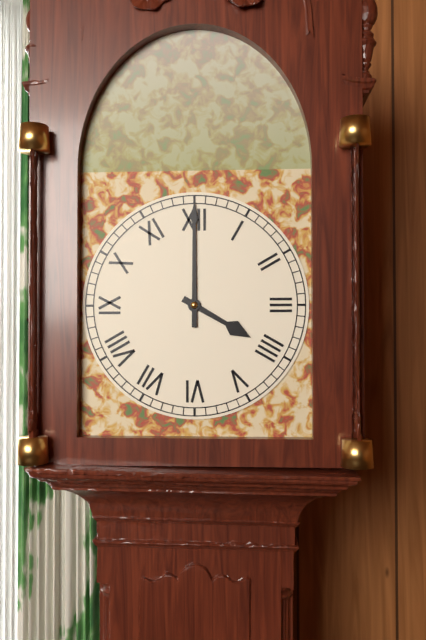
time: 4:00
